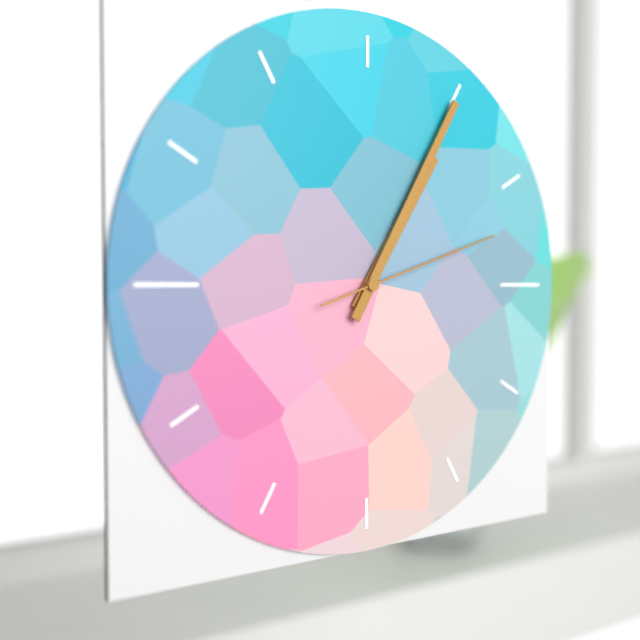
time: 1:05:12
